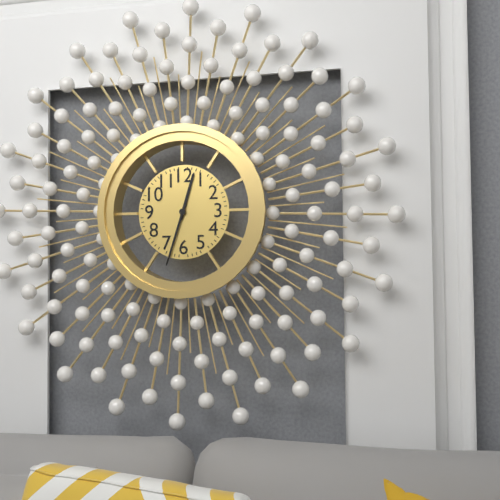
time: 12:33
